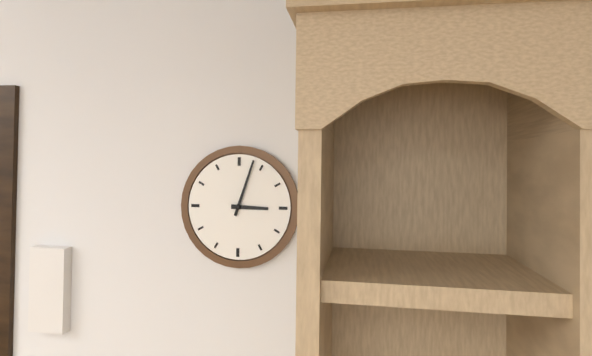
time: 3:03
